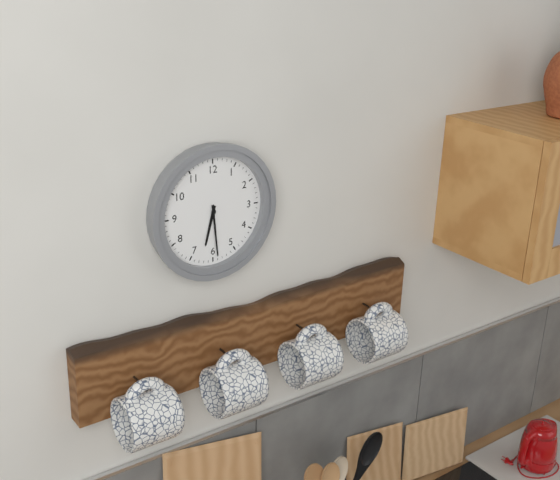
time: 6:29
